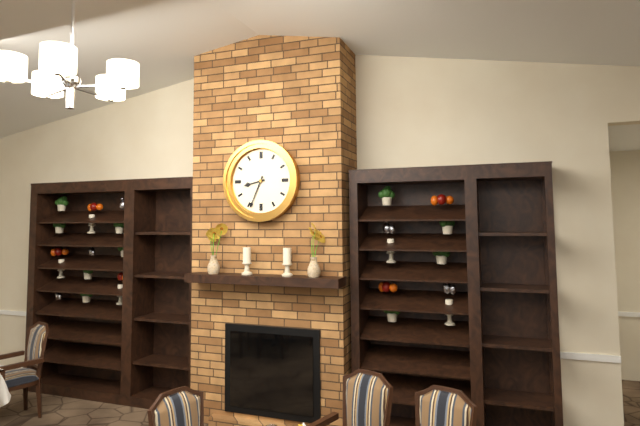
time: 8:34
